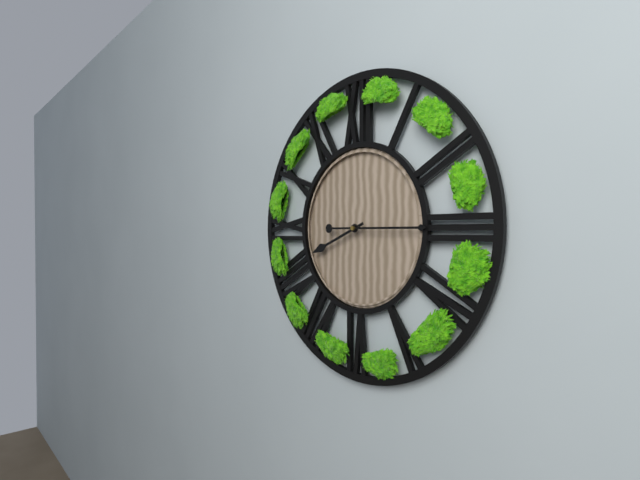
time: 8:15
